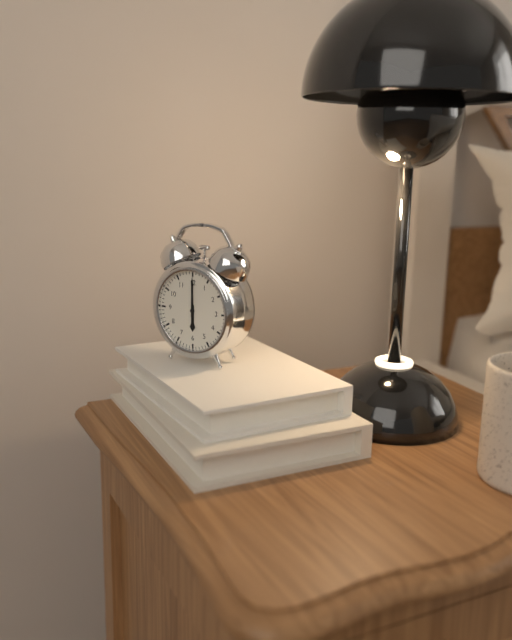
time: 6:00
